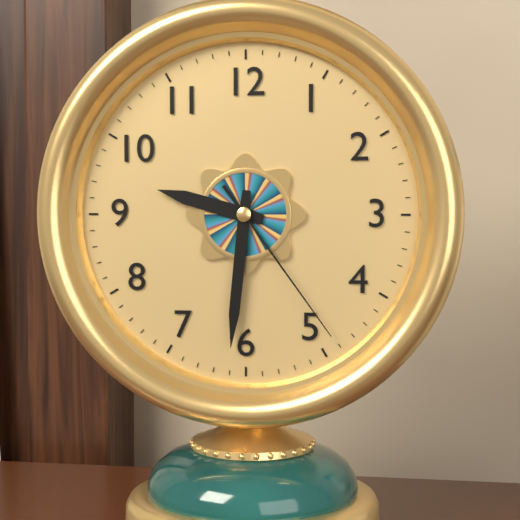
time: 9:31:24
